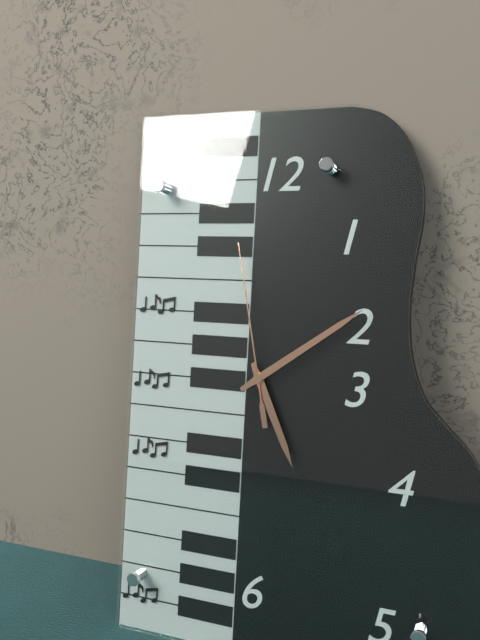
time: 5:09:58
